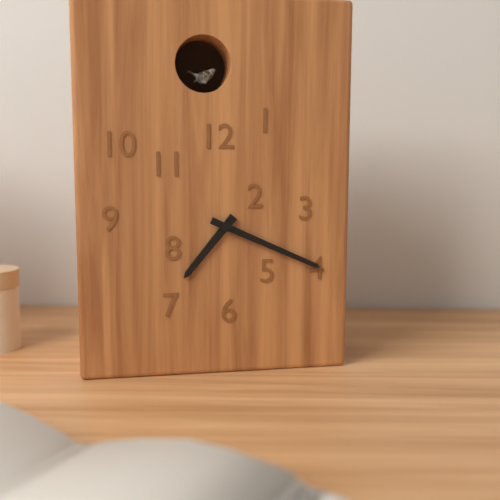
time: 7:19
